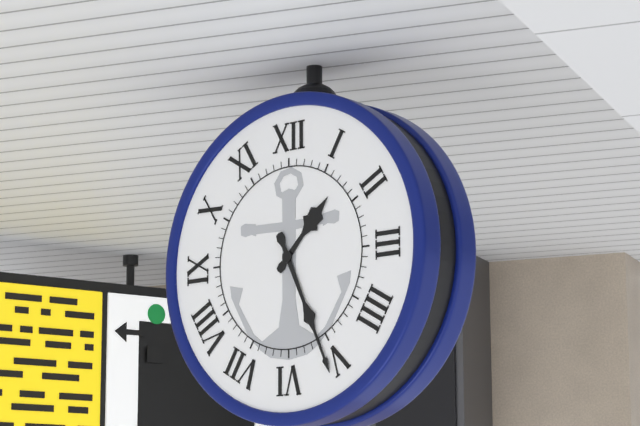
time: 1:26
